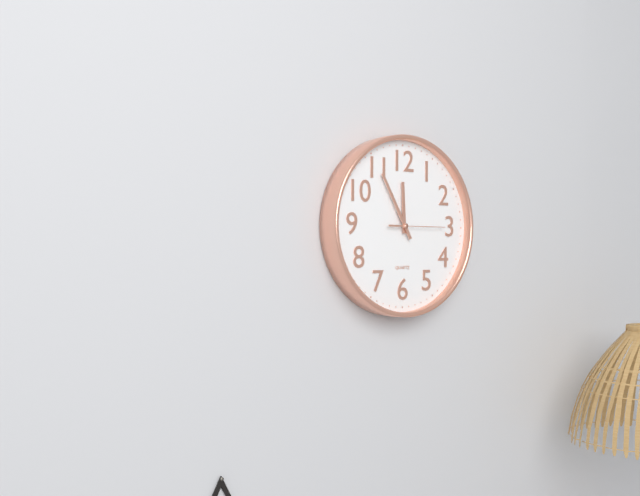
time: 11:55:15
